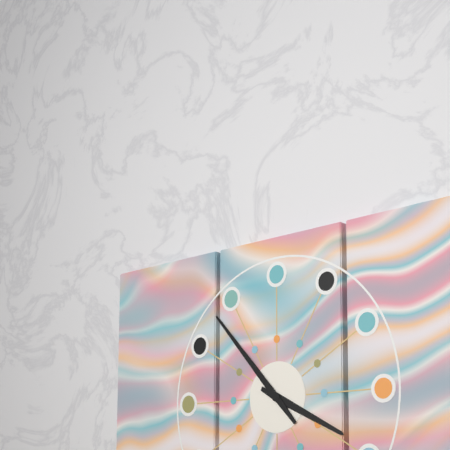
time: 3:53
